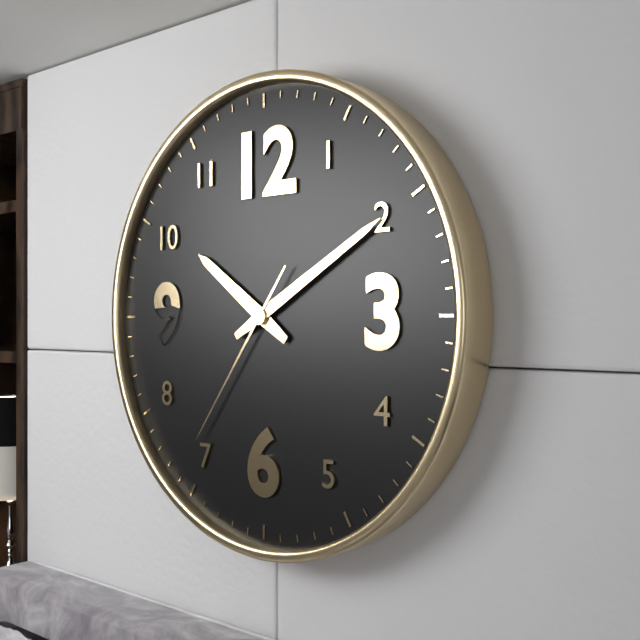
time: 10:10:36
